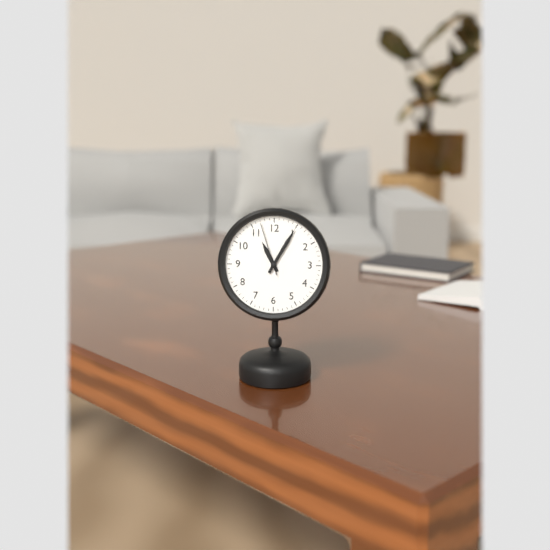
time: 11:05:57
